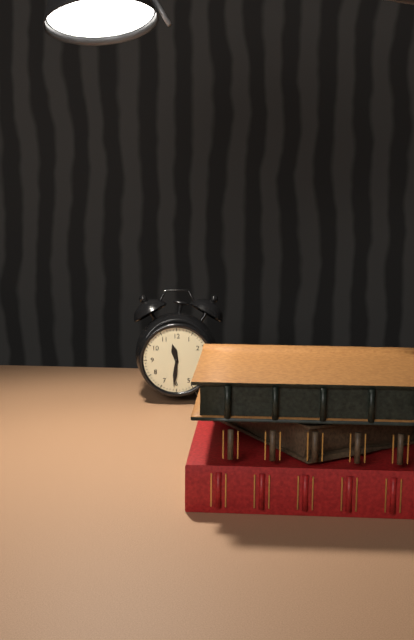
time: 11:31
